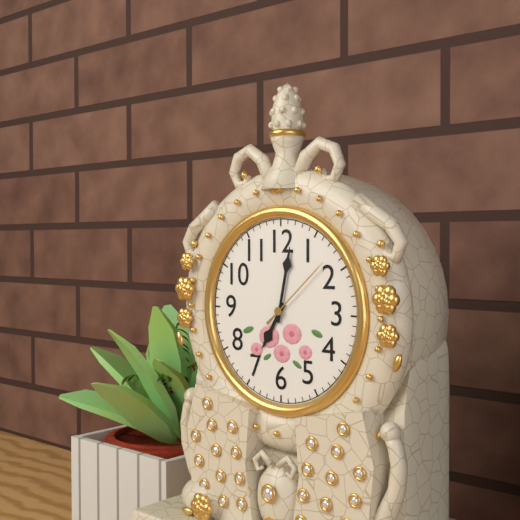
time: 7:02:08
